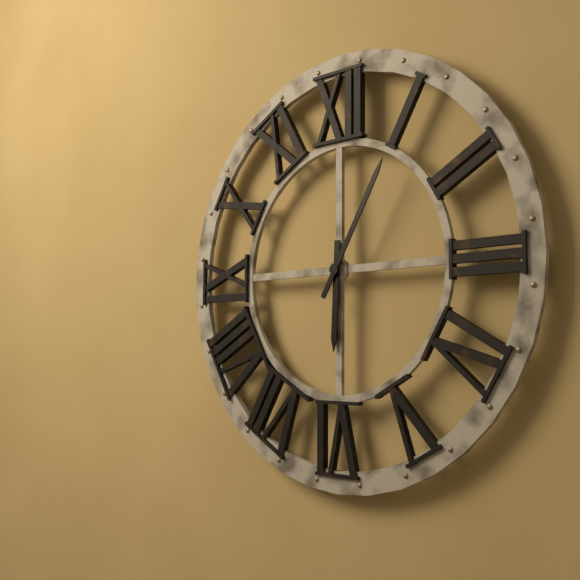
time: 6:05
